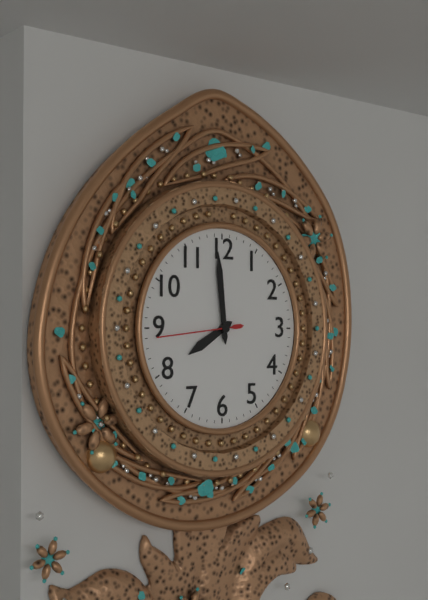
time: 7:59:44
